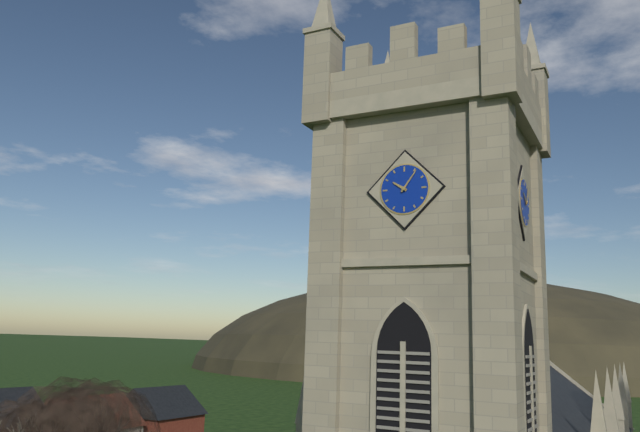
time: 10:06
